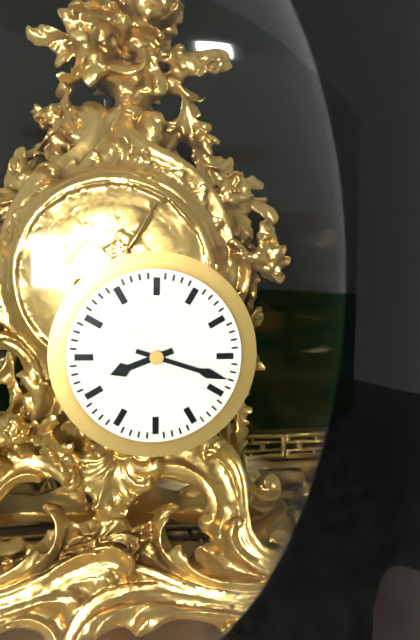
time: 8:18
